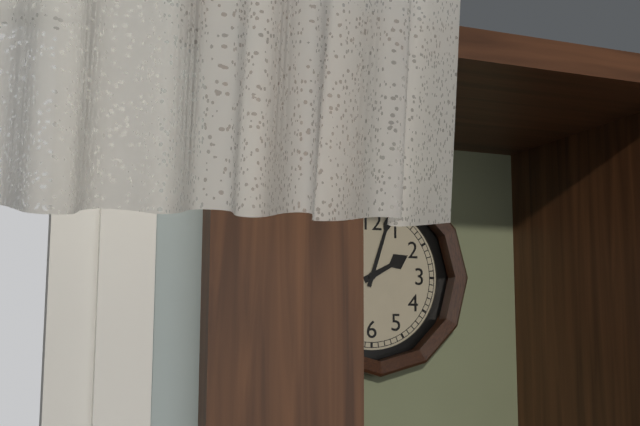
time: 2:03
